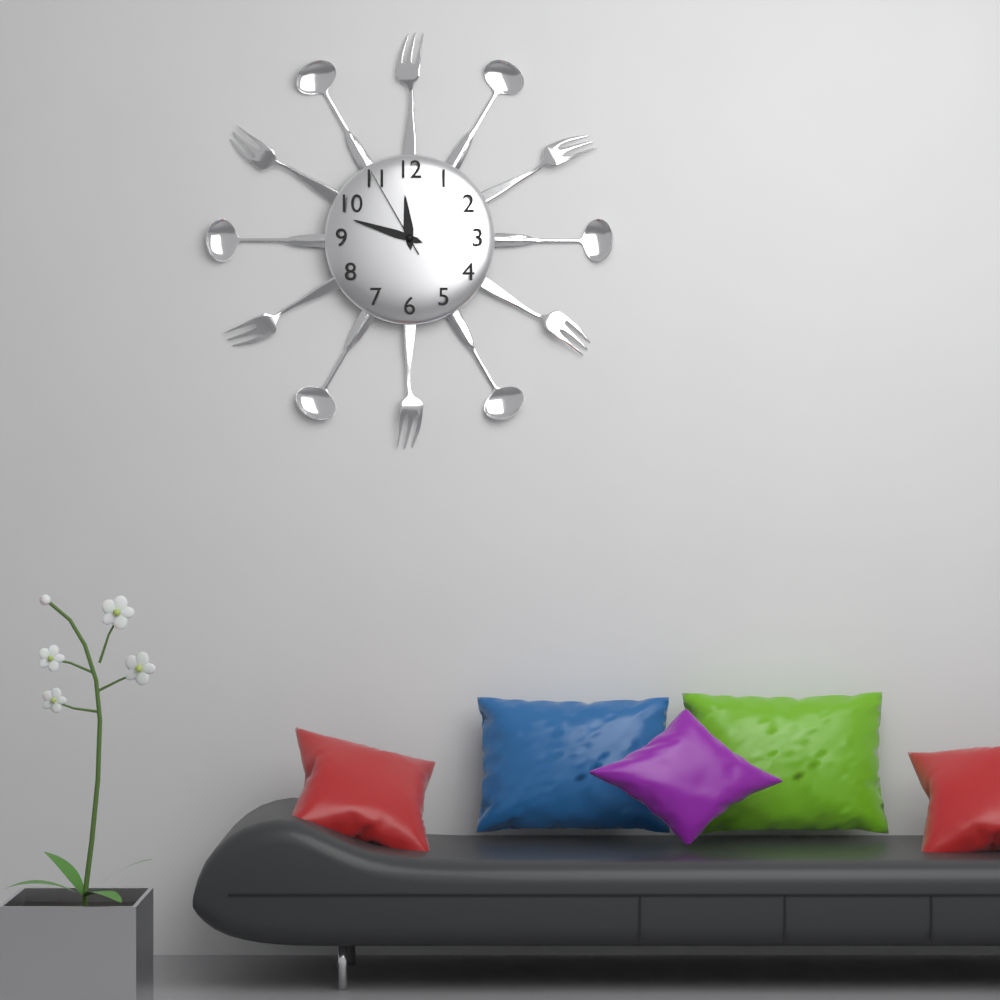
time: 11:48:55
